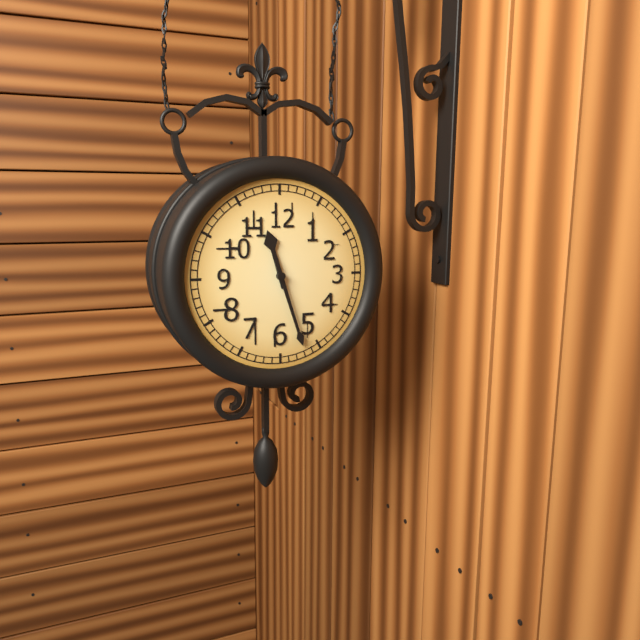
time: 11:27
